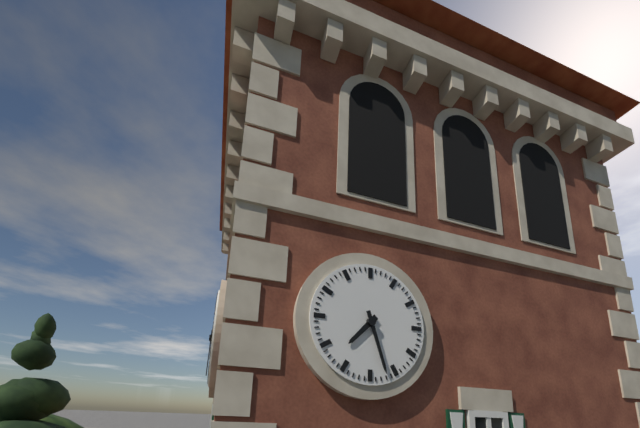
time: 7:27
